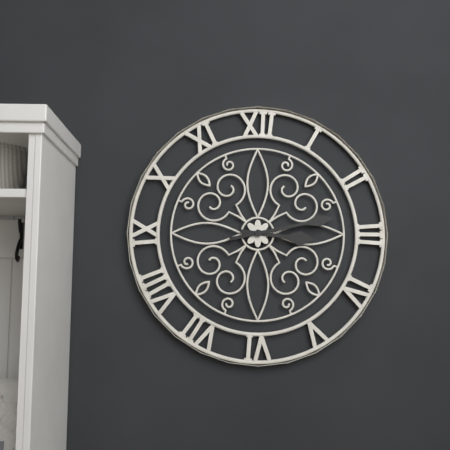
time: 3:13
